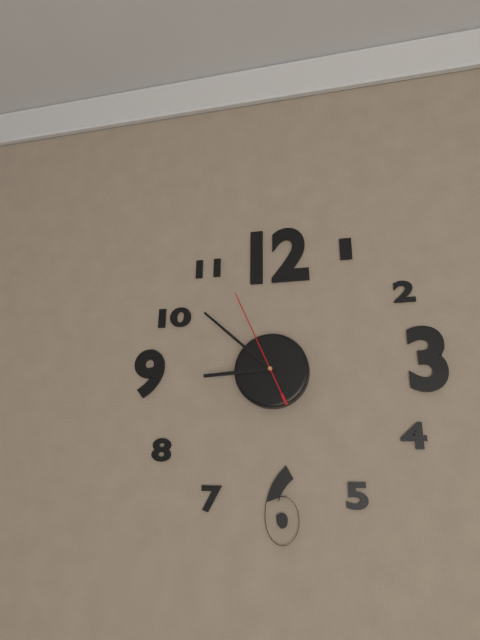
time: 8:52:56
